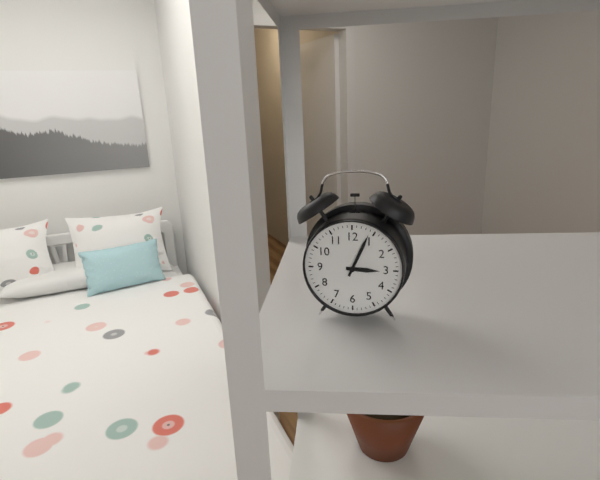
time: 3:04
